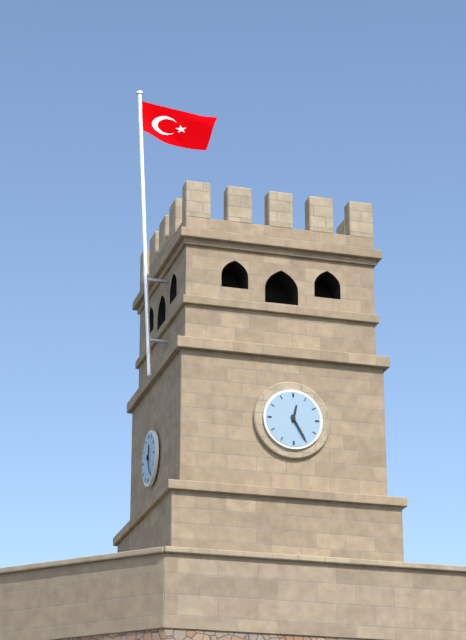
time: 12:25
